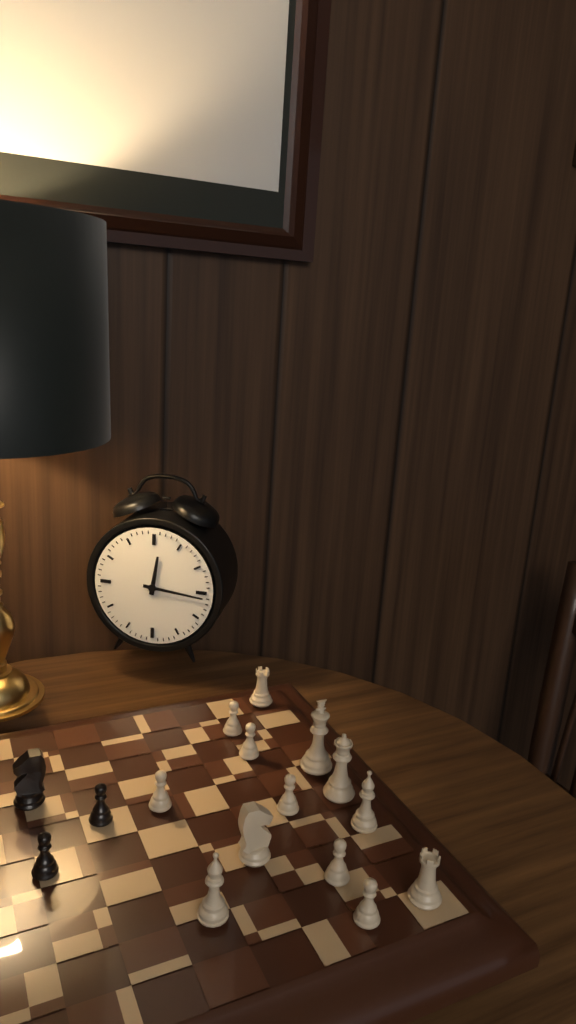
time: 12:16
